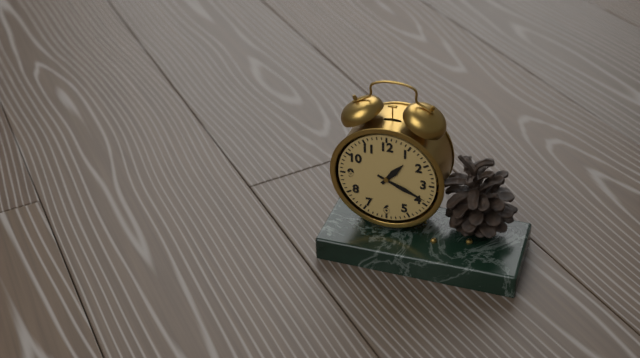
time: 1:19
